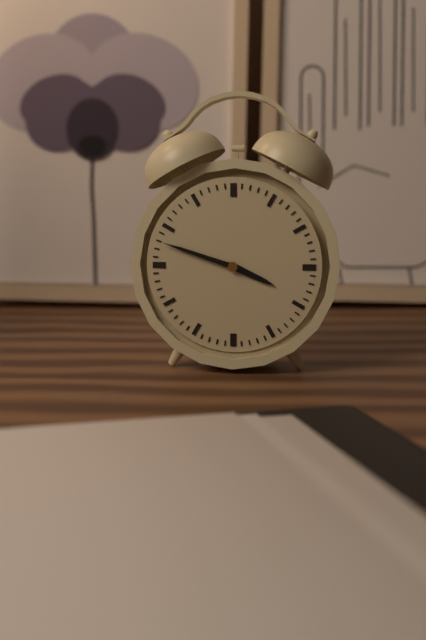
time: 3:48
